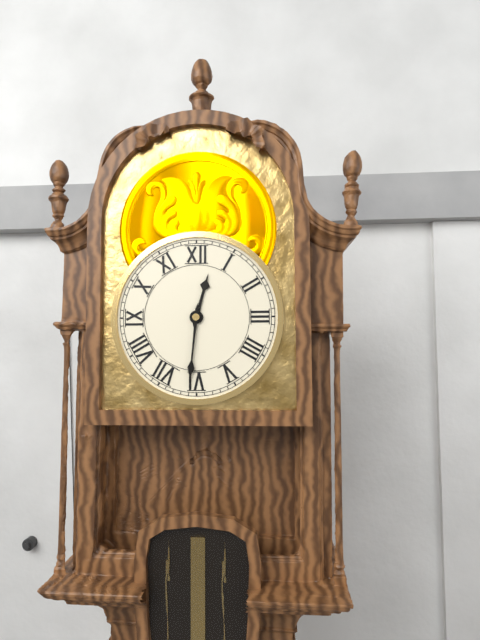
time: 12:31
